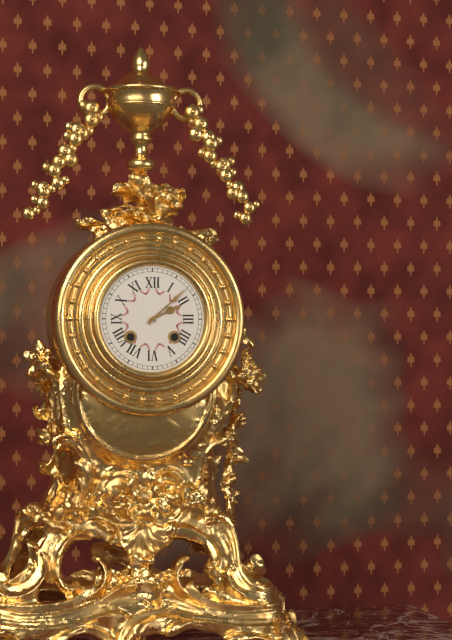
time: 2:08
